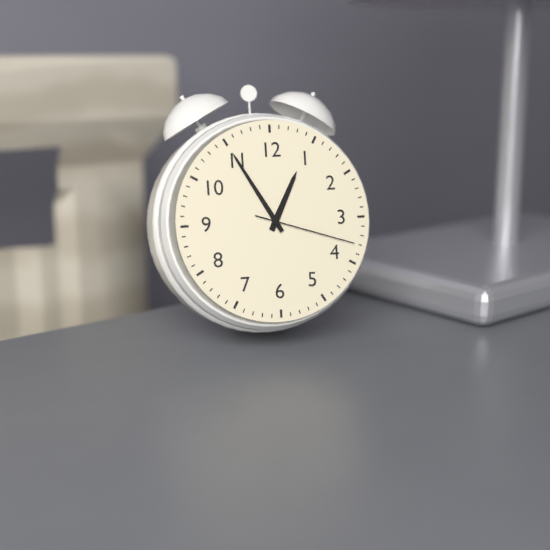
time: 12:55:18
